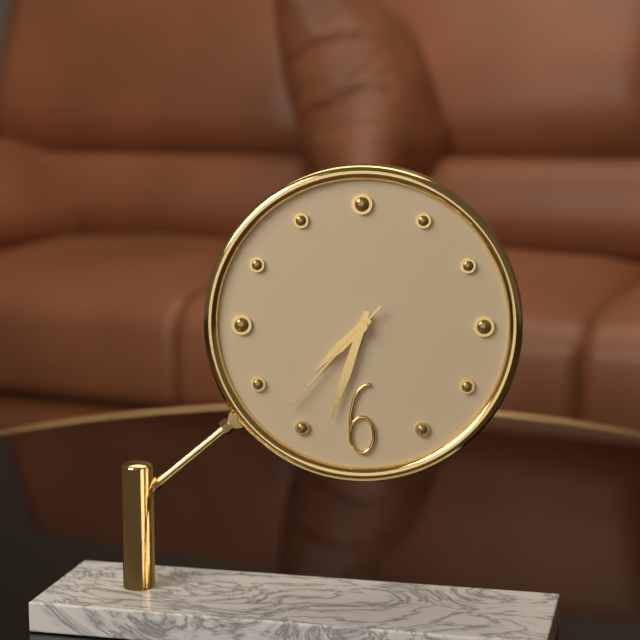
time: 7:33:37
